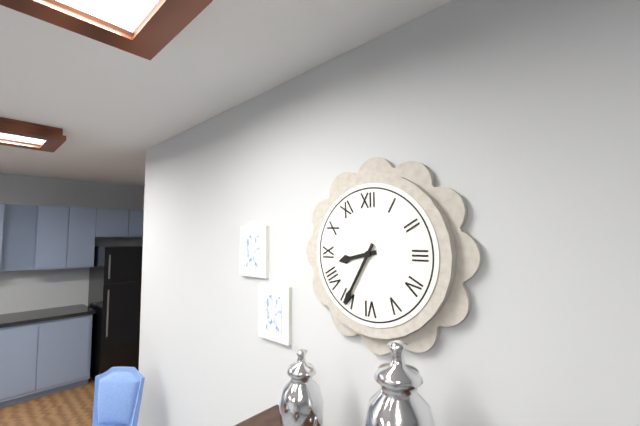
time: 8:35
